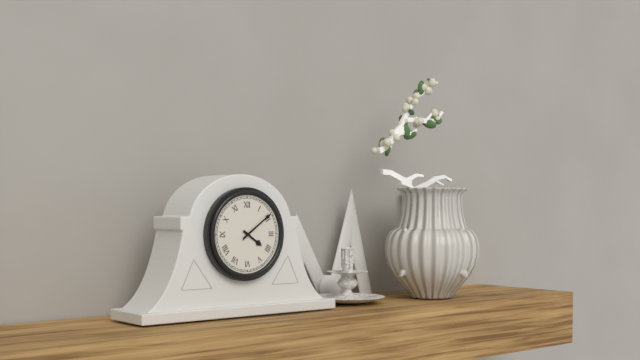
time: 4:09
